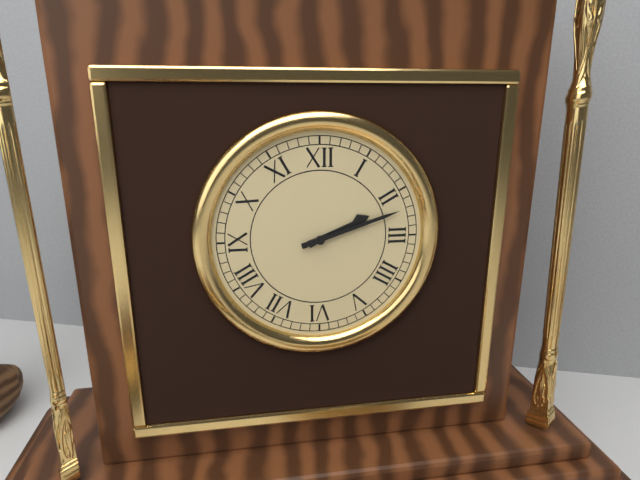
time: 2:12
